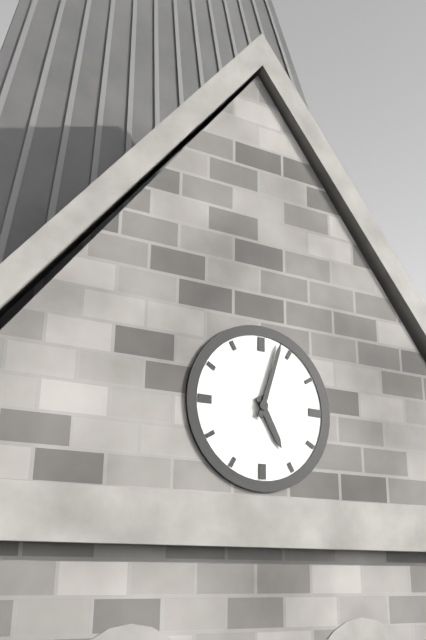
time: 5:03
